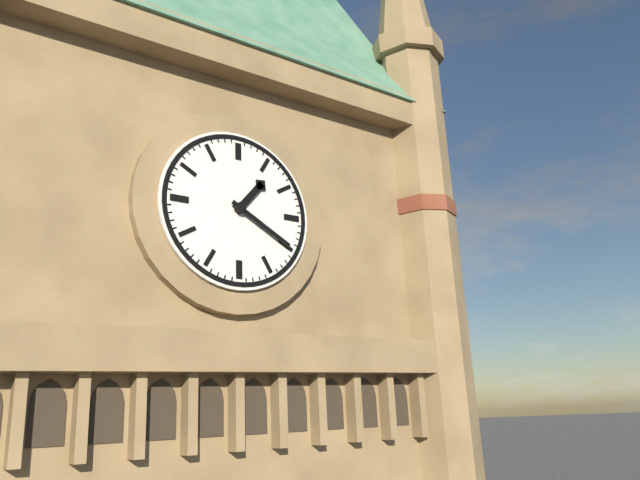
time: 1:20
